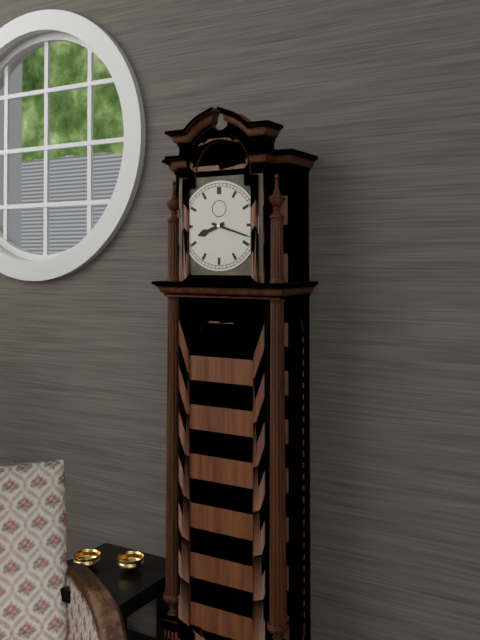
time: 8:18
